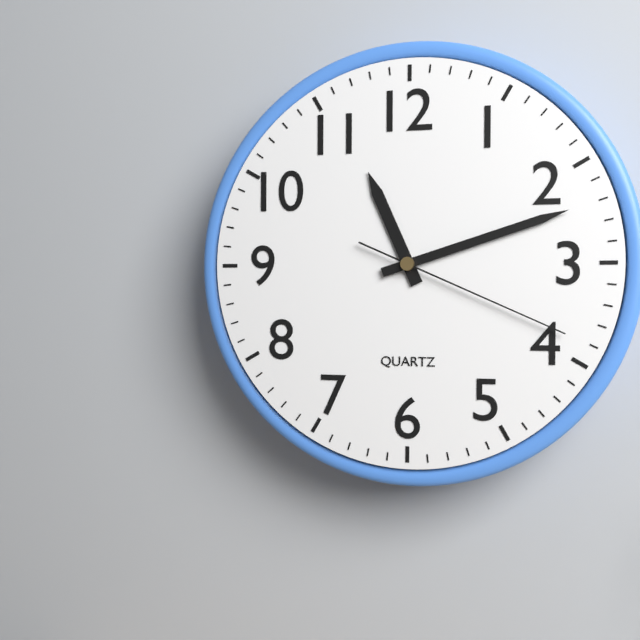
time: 11:12:19
